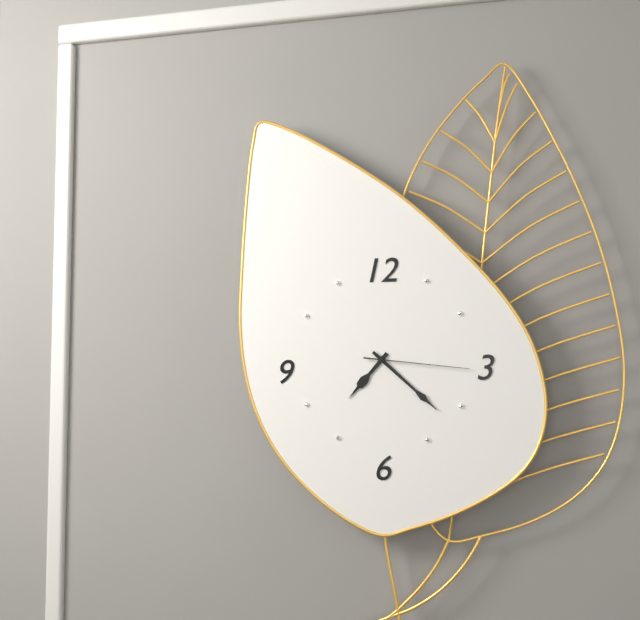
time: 7:22:16
